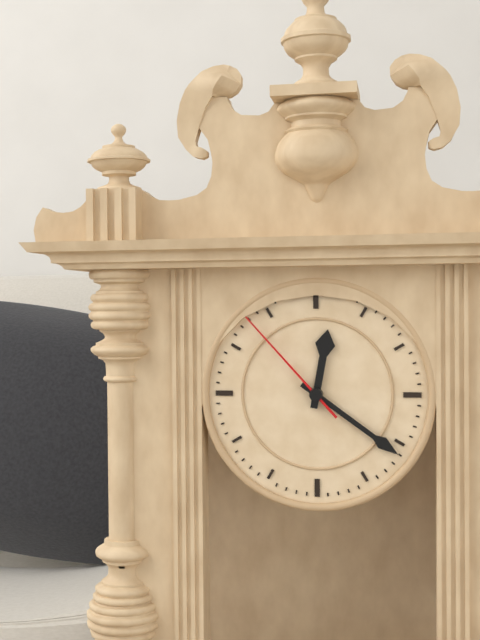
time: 12:21:53
